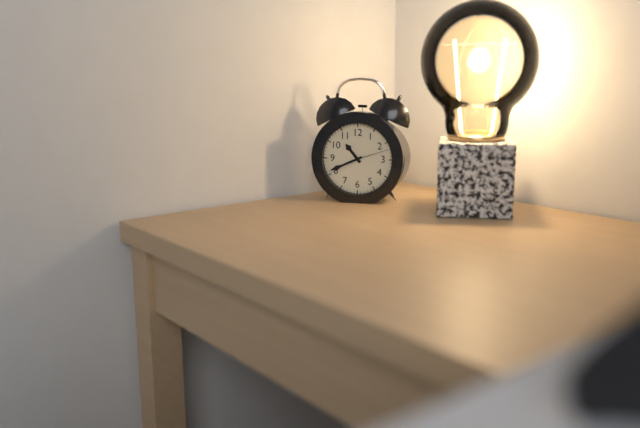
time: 10:41
